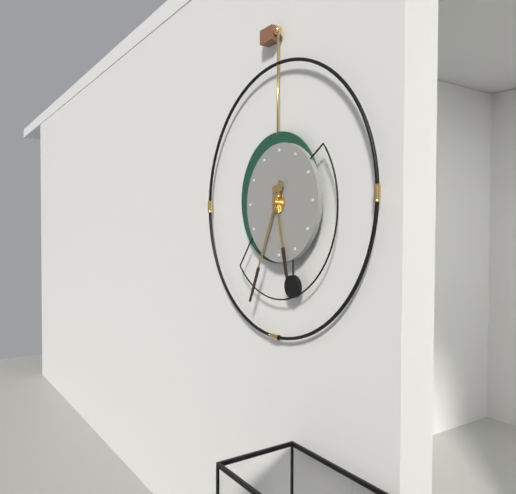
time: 5:34
